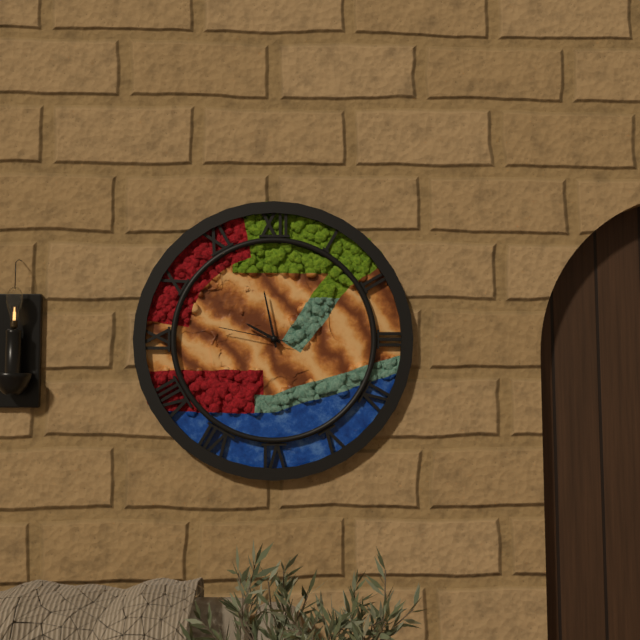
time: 9:58:47
